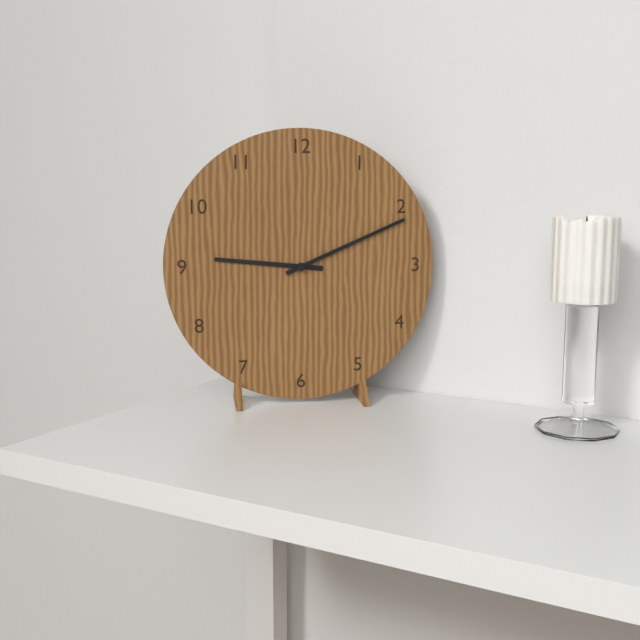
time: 9:11
